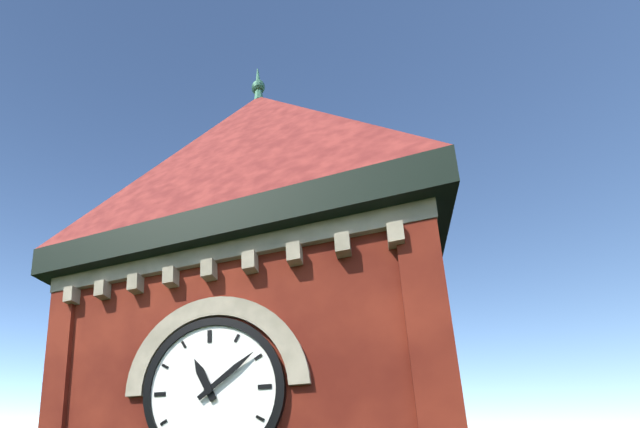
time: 11:09
